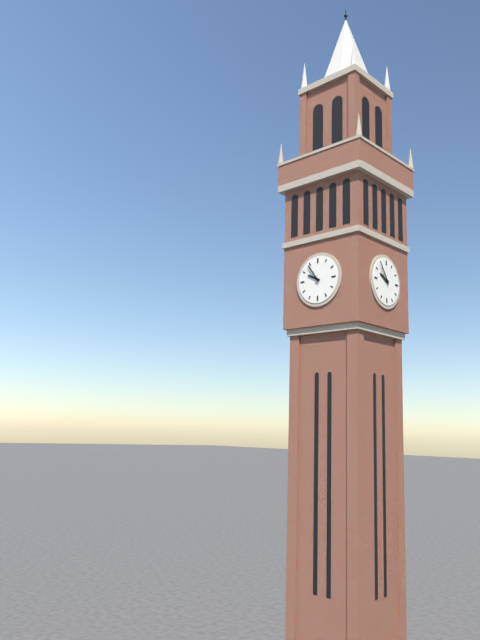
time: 9:54
